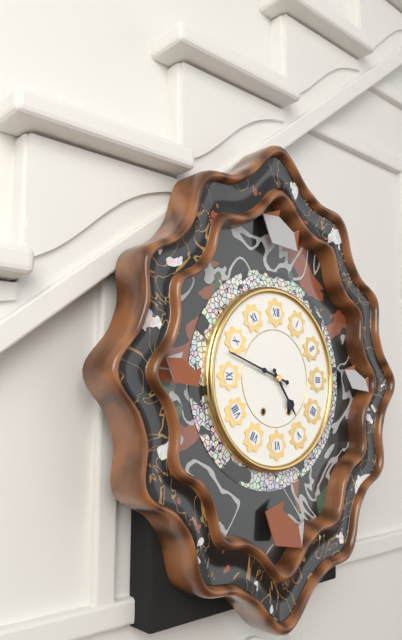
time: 4:48
